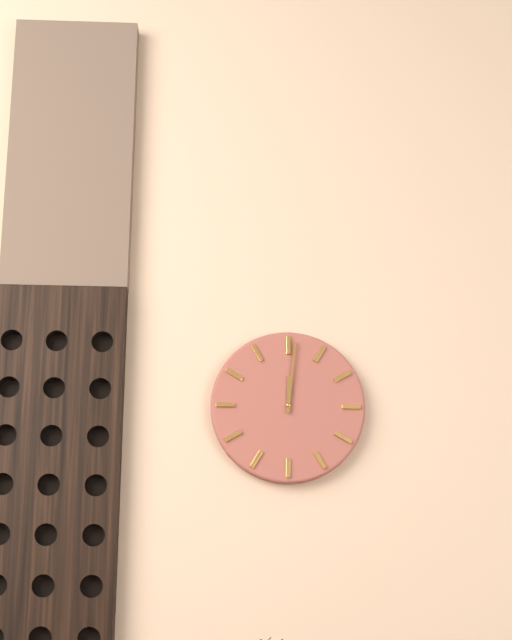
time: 12:01
